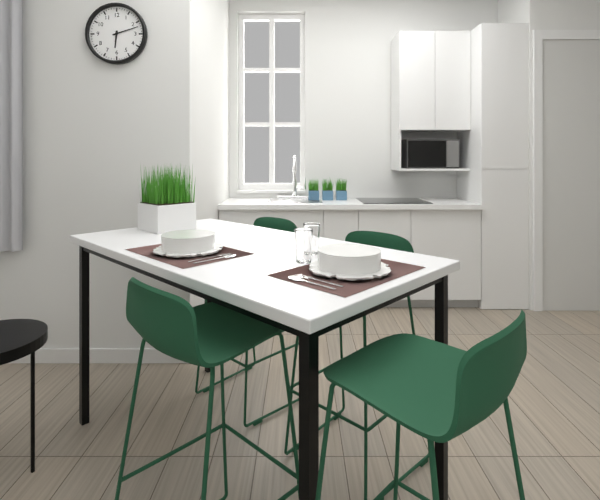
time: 6:12
